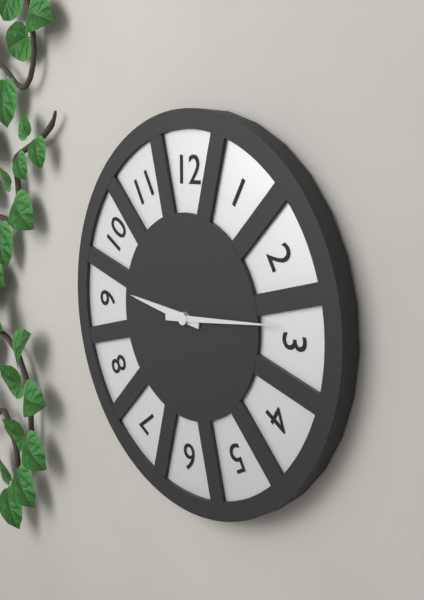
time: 9:14
